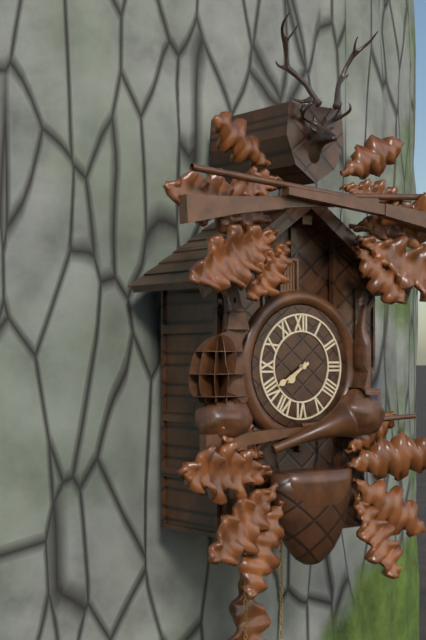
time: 7:40
